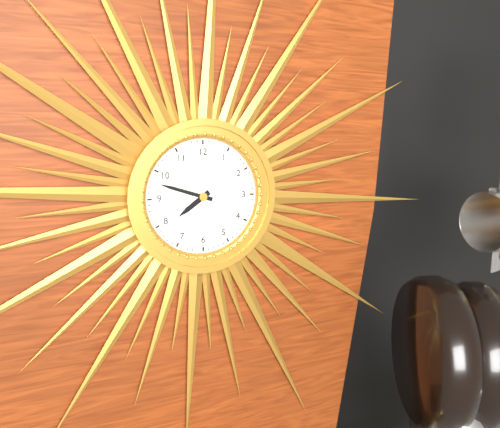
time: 7:48
